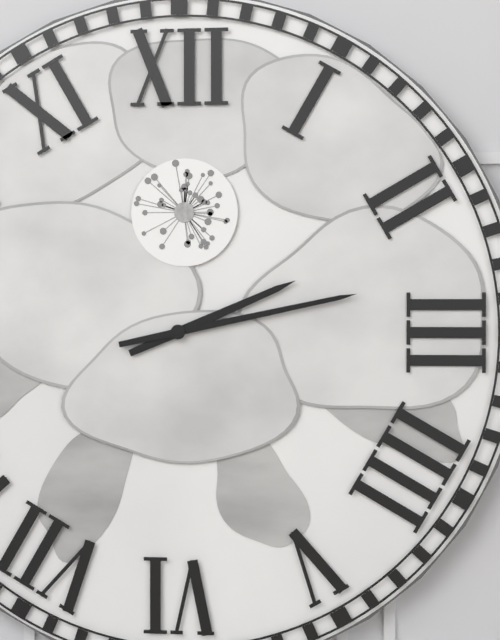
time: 2:13
